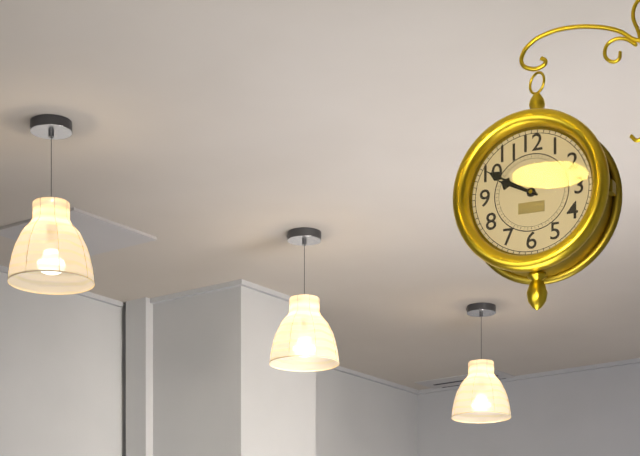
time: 9:50
